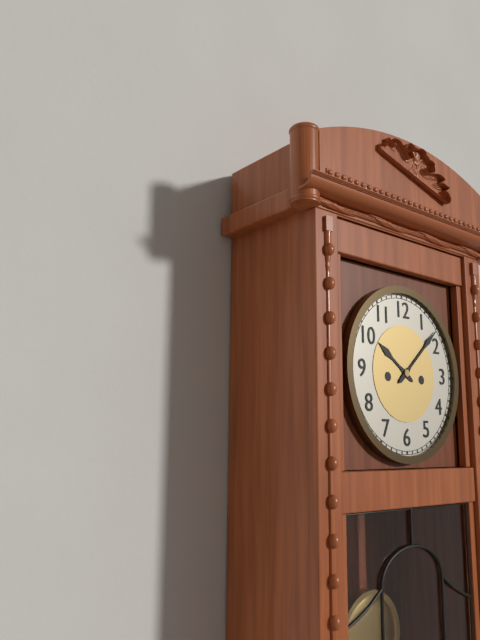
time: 10:08
